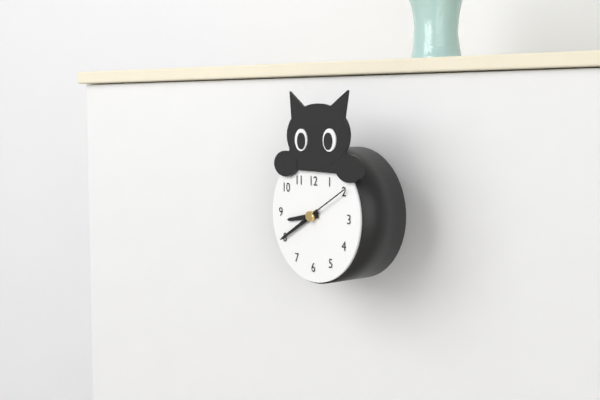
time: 8:40:10
